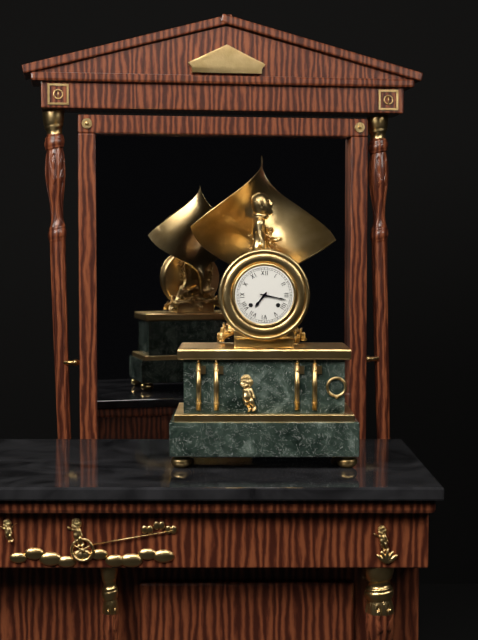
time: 7:17
